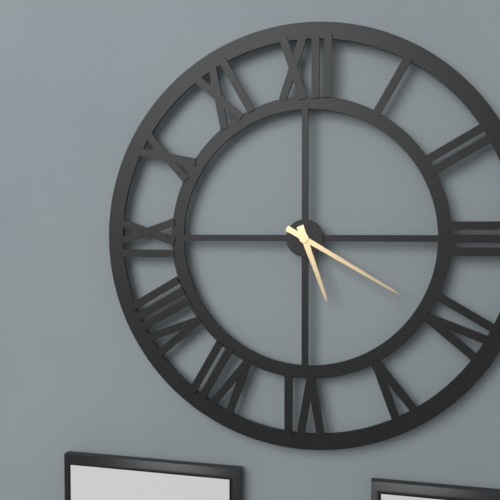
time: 5:20
